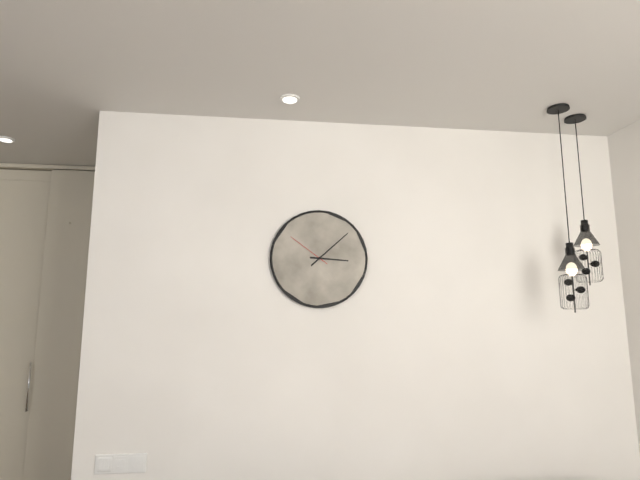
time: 3:08
